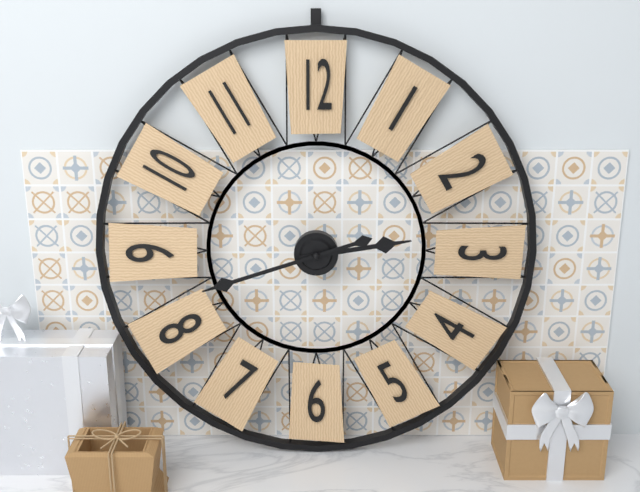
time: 2:42
